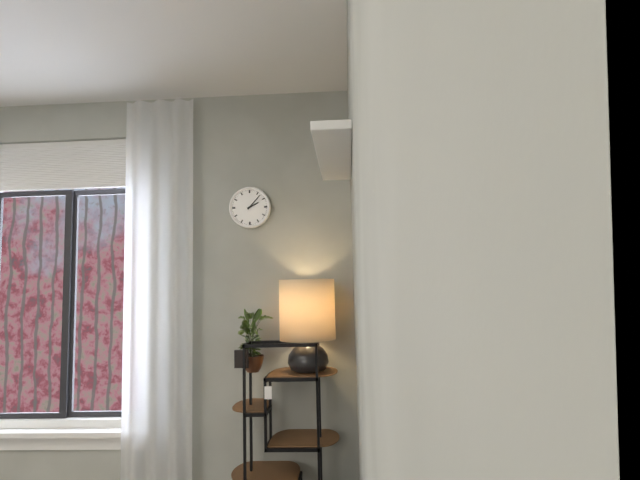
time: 2:07
